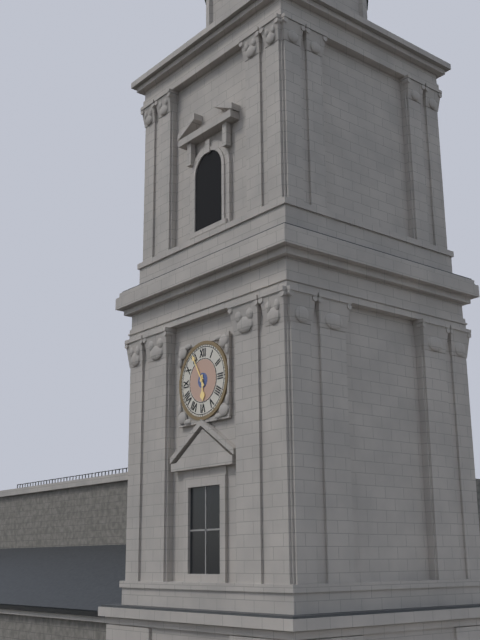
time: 5:55
